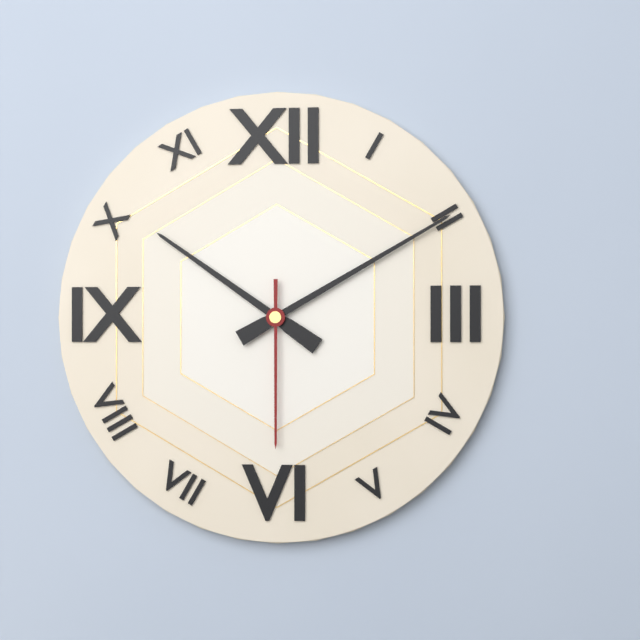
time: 10:10:30
